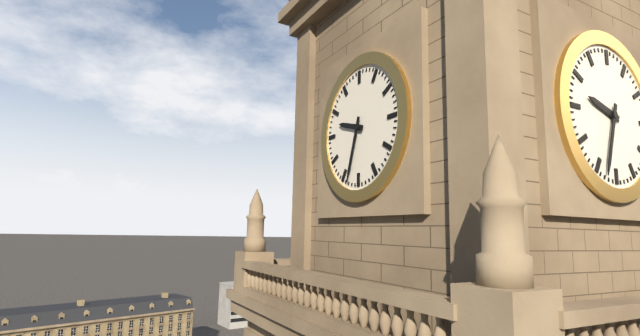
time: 9:33
